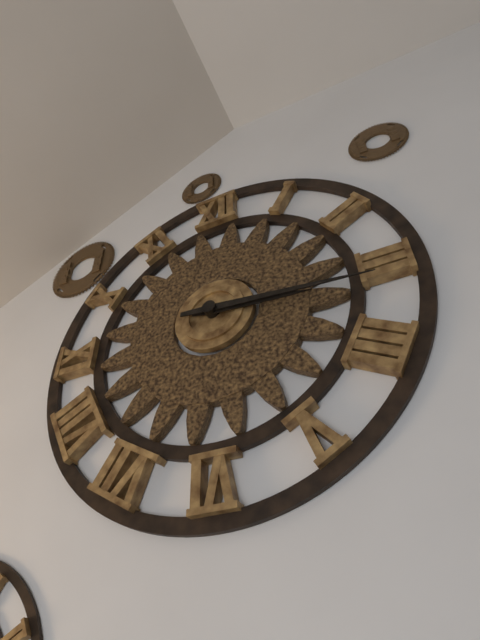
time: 3:16
